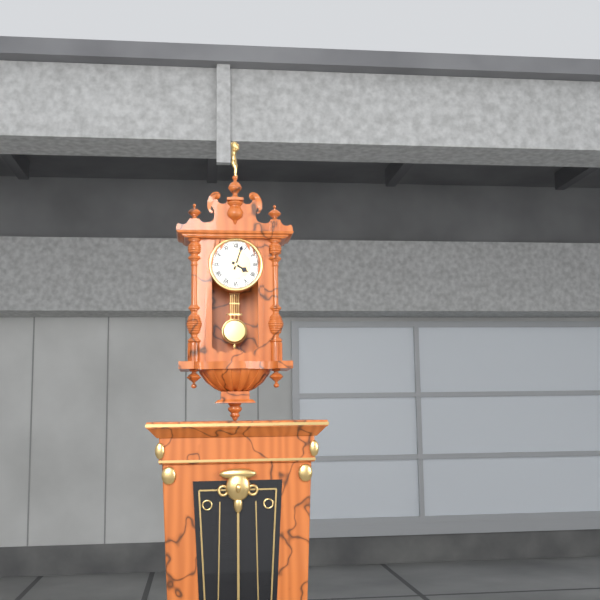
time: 4:03
